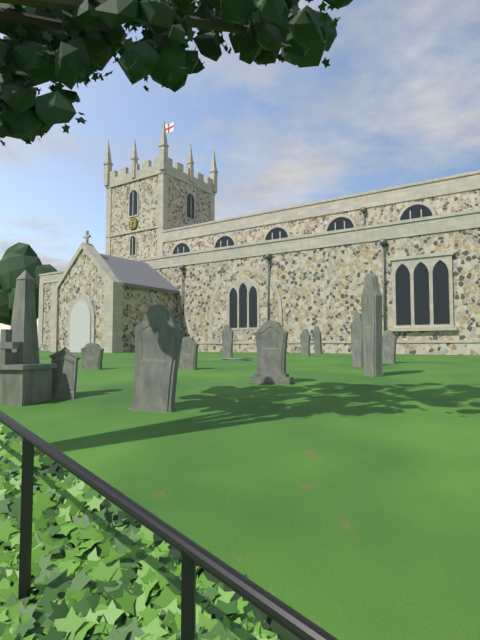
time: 1:30
